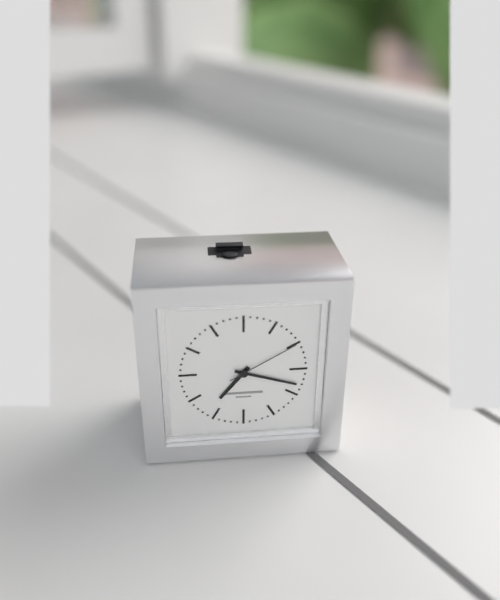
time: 7:18:10
